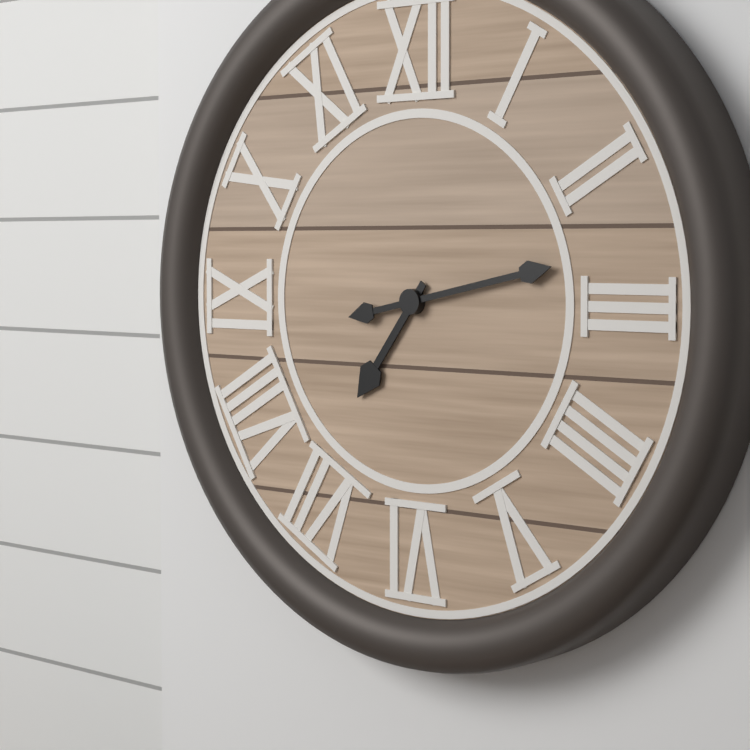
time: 7:13
